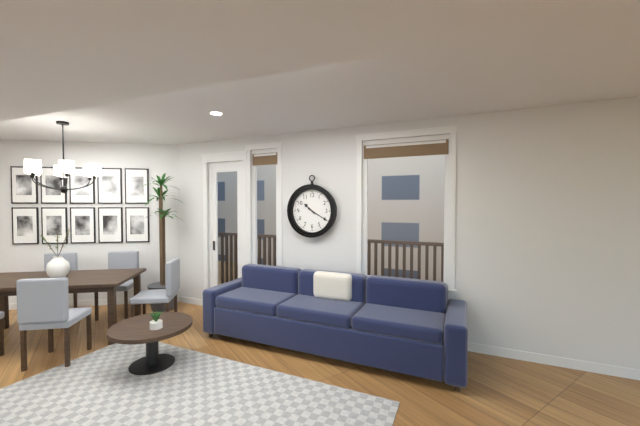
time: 10:20
